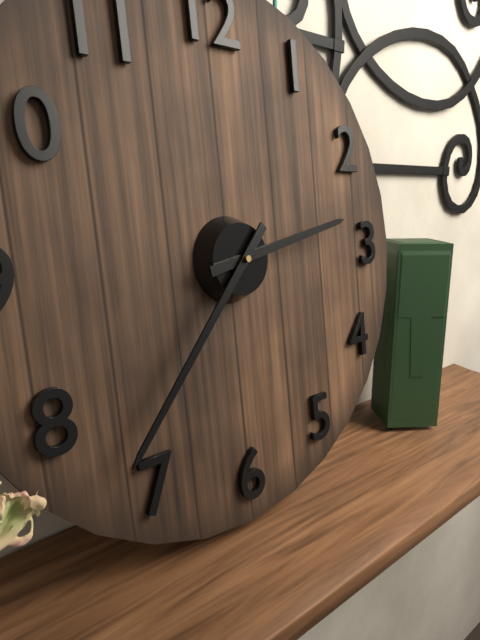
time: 2:37
